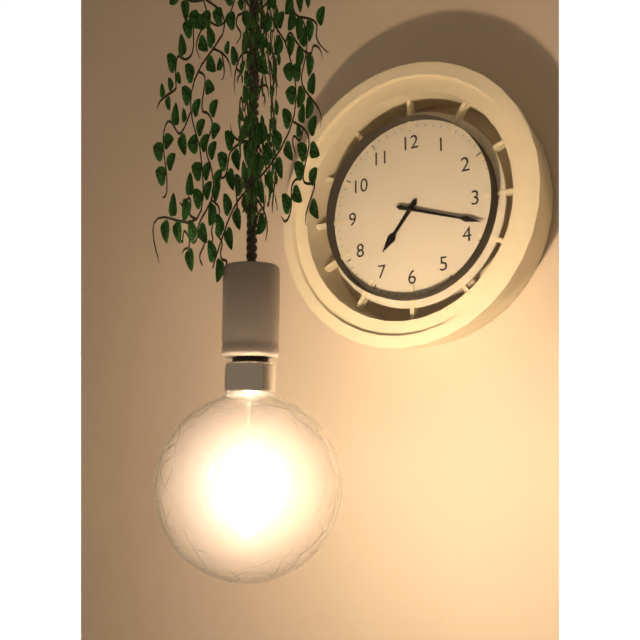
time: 7:18
